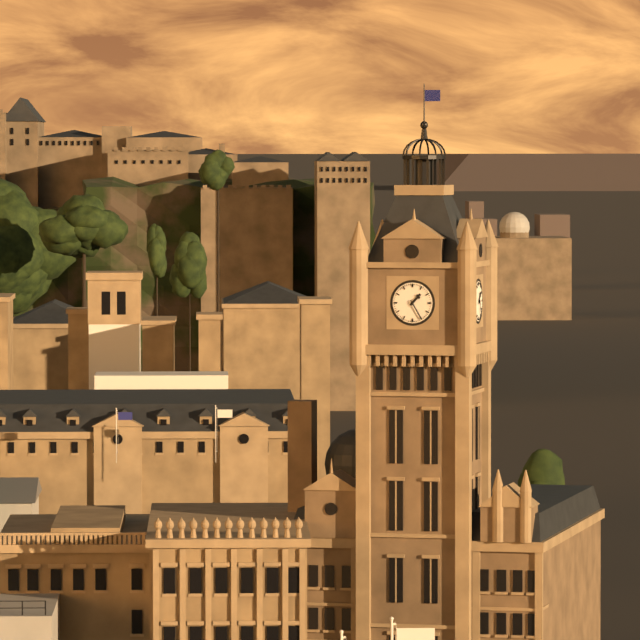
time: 1:25
